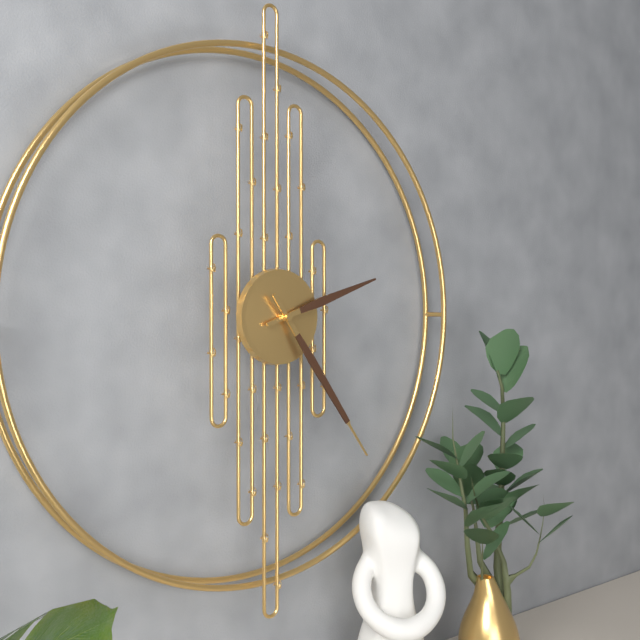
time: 2:24
